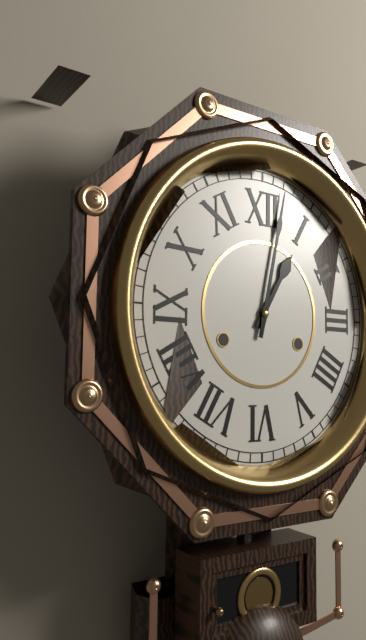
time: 1:02
